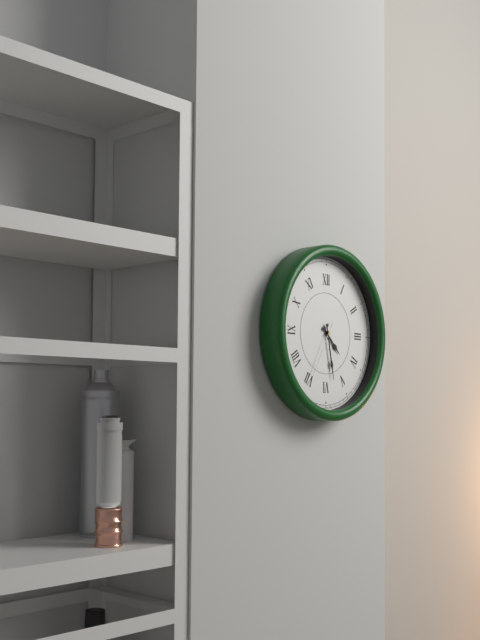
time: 4:28:35
